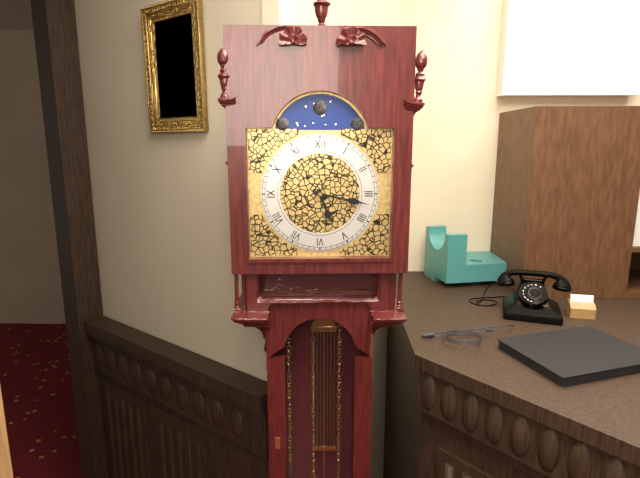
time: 5:17
